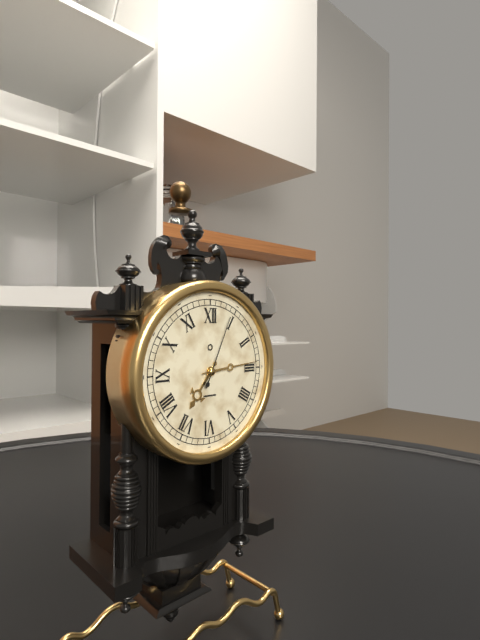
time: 7:14:04
